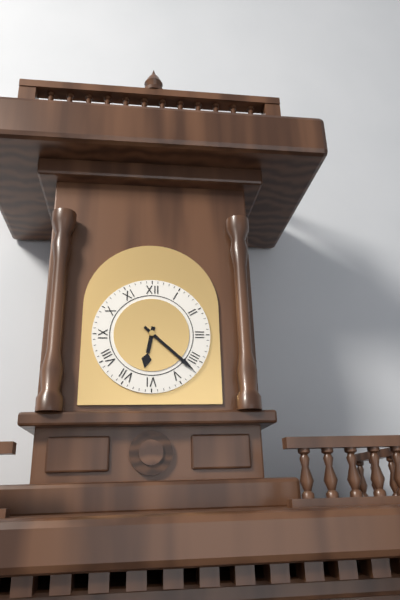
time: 6:22
